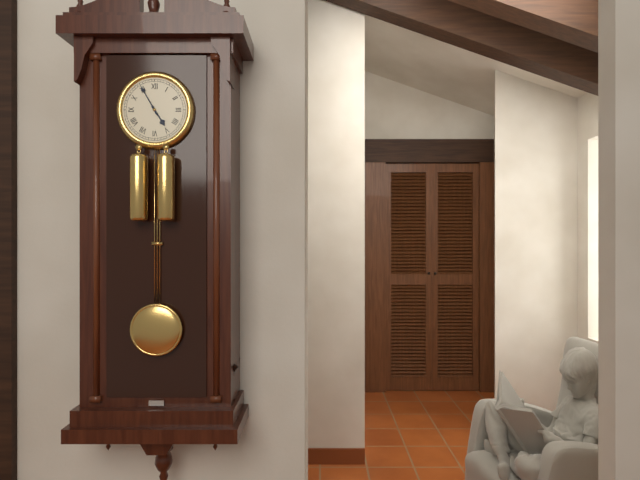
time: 4:55
